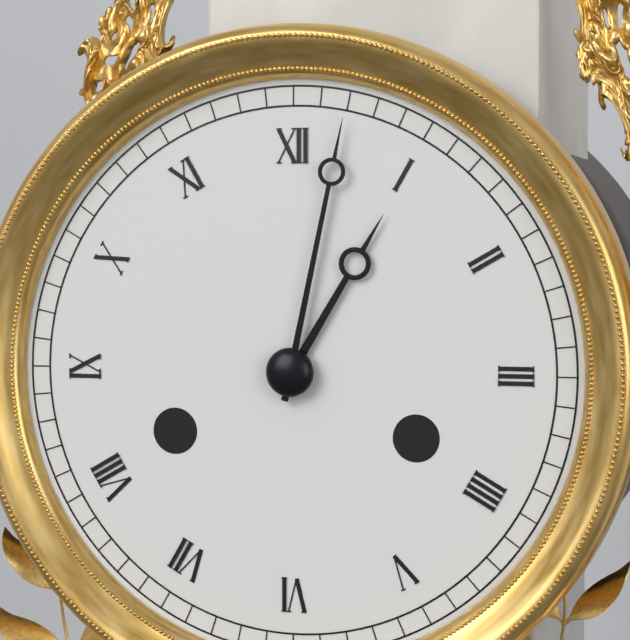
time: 1:02
